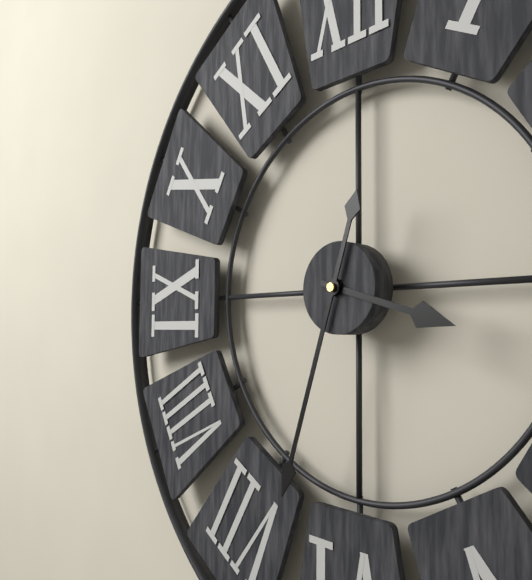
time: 3:33
